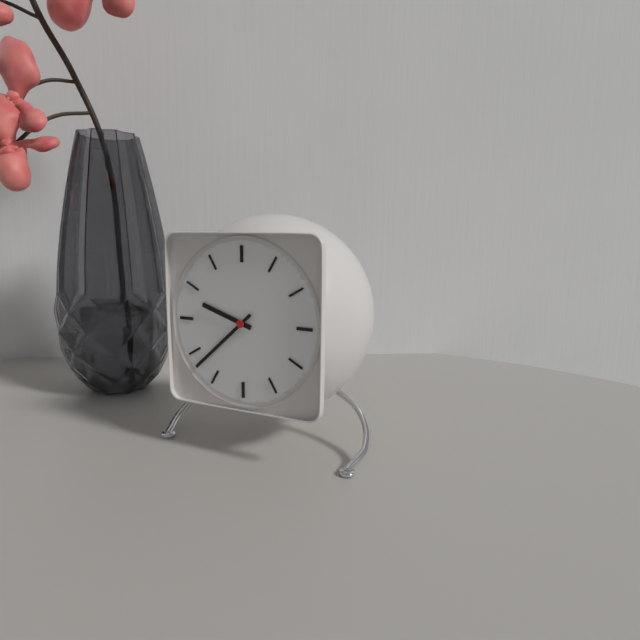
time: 9:38
